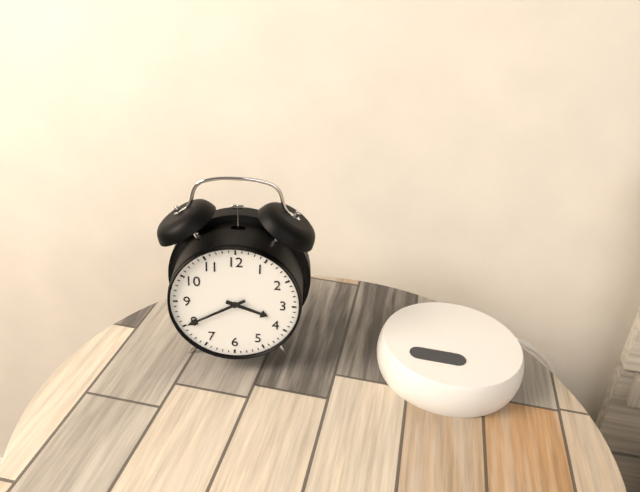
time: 3:40
